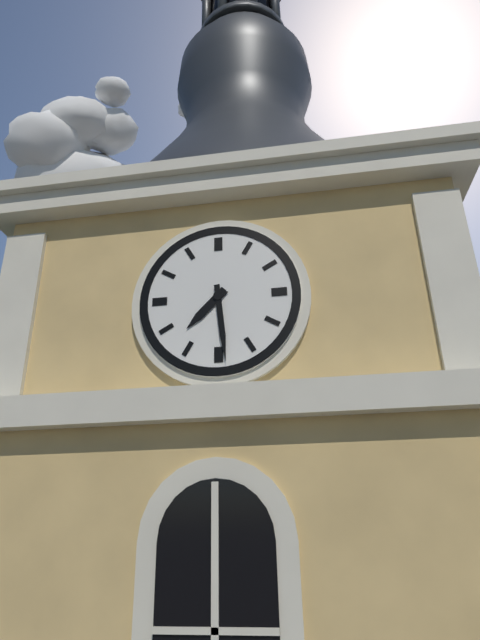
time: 7:29
